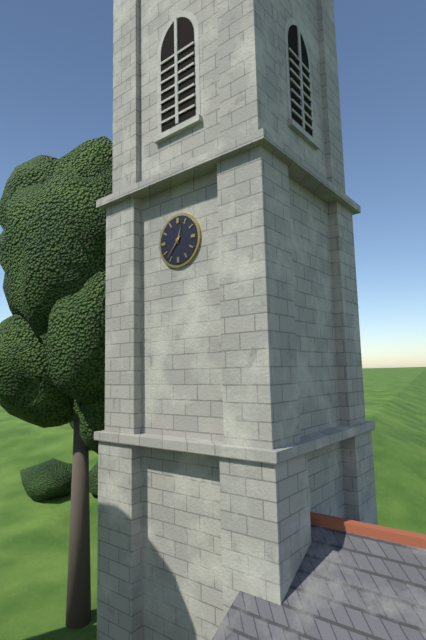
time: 12:37
